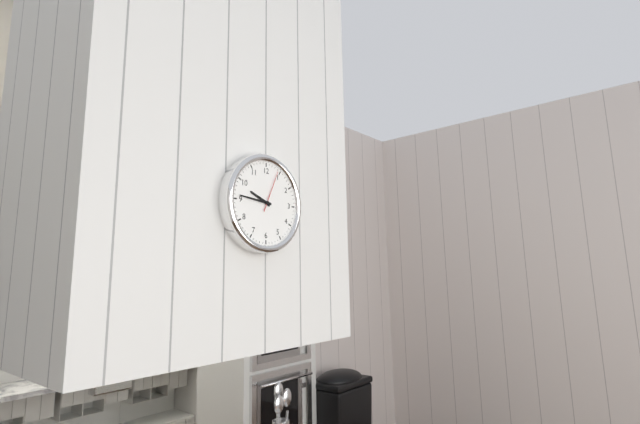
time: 9:46
